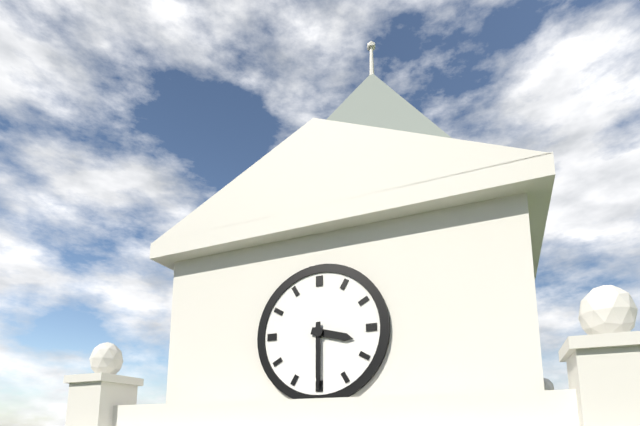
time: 3:30
